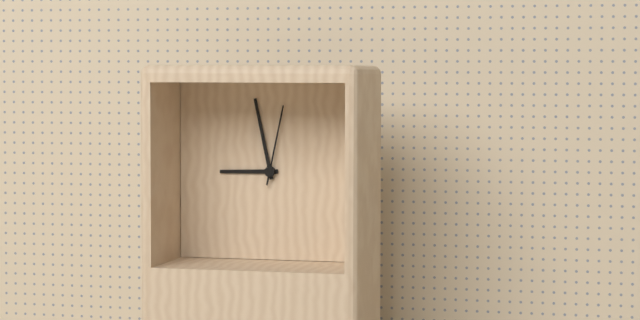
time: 8:58:02
